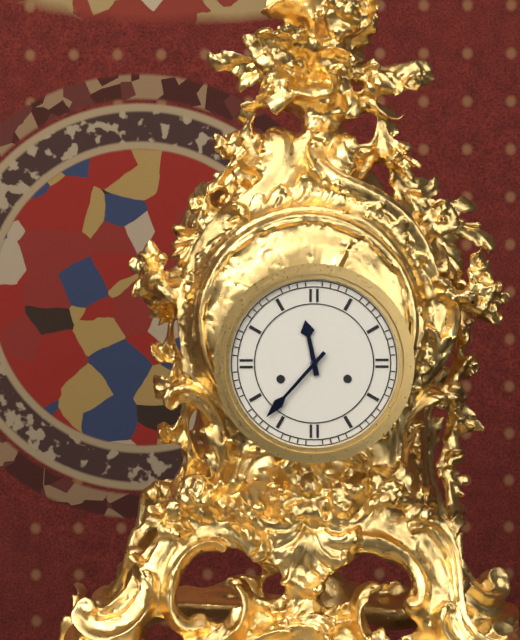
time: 11:37
